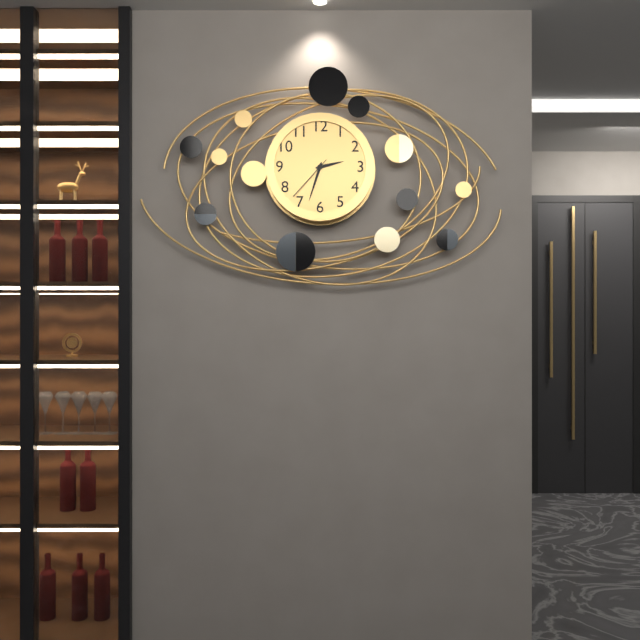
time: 2:33:37
